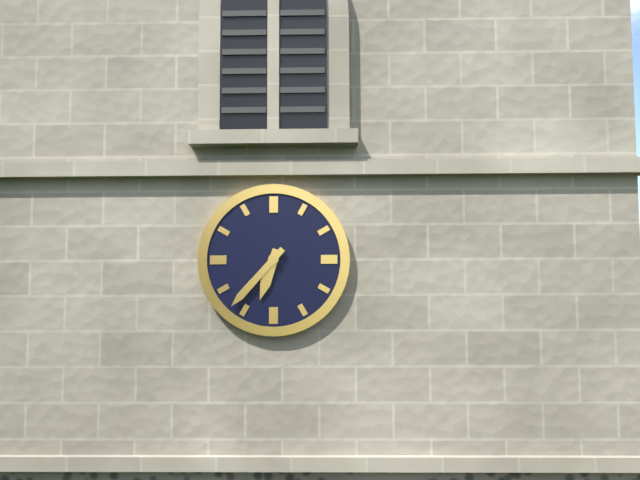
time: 6:37
